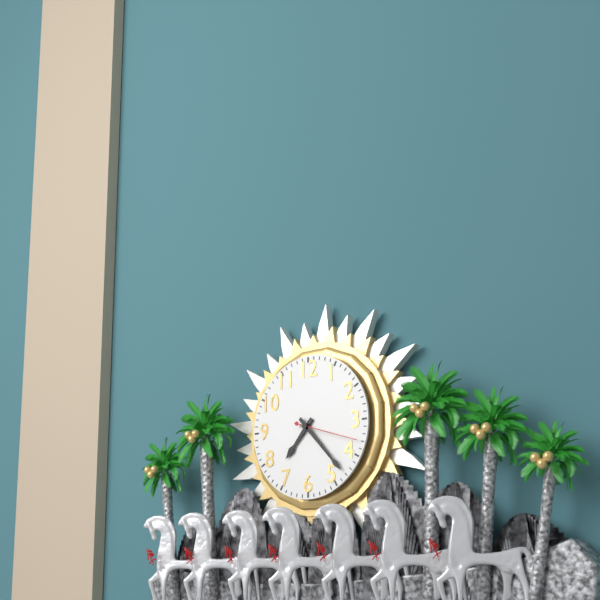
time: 7:23:18
